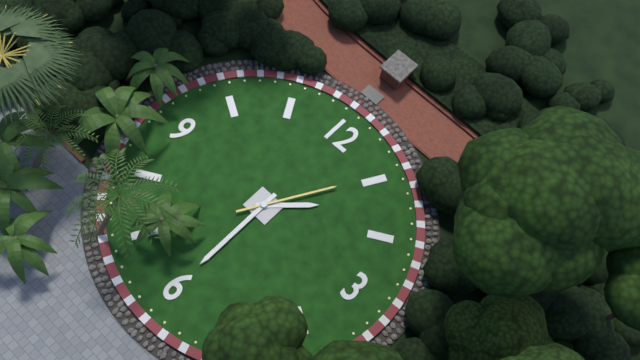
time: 1:30:05
